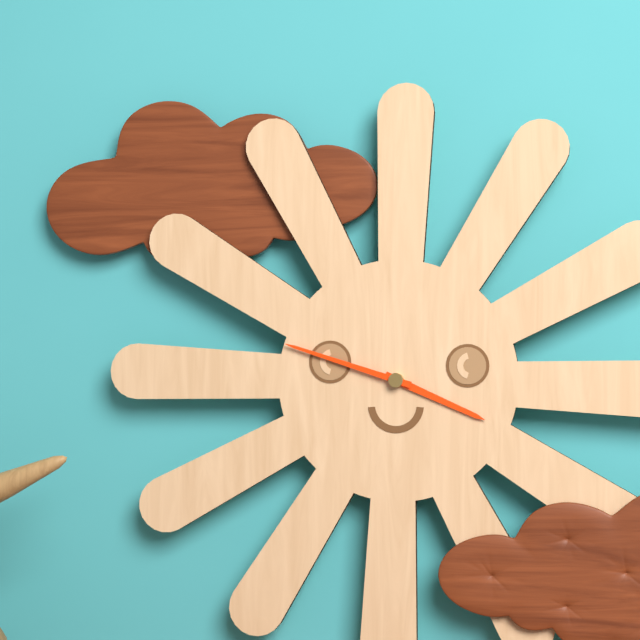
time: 3:48
